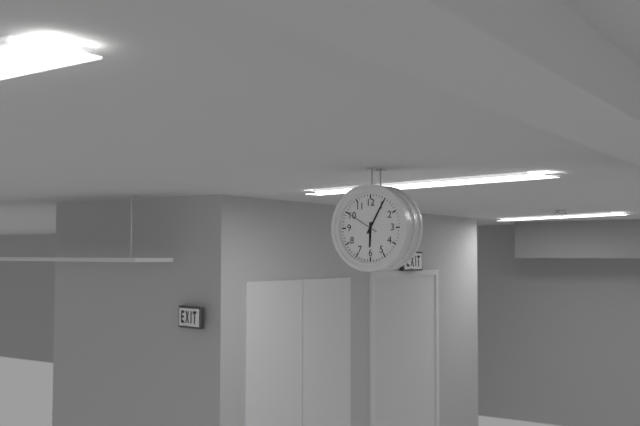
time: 6:05
